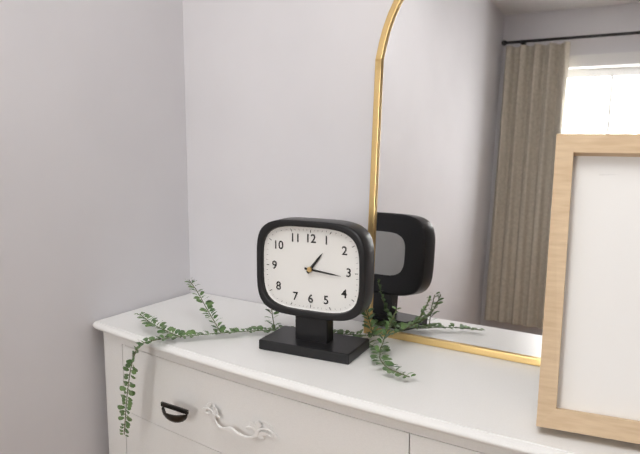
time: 1:16
